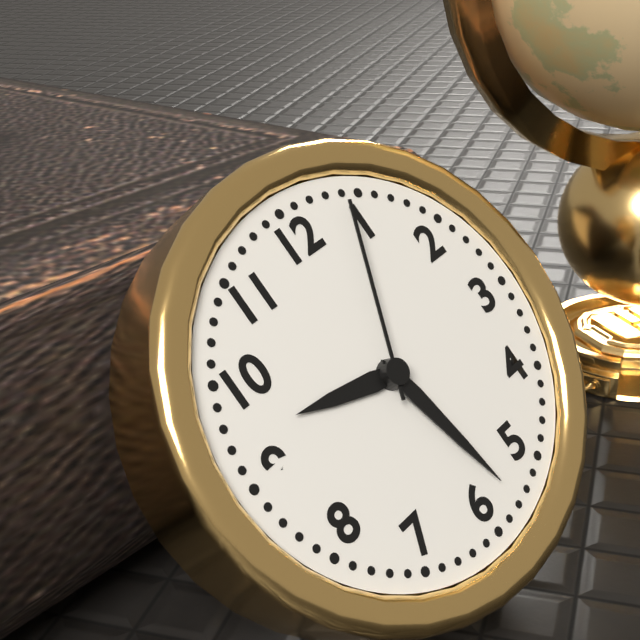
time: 9:28:04
